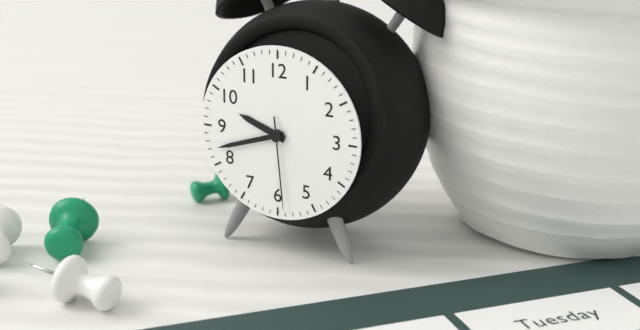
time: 9:42:29
